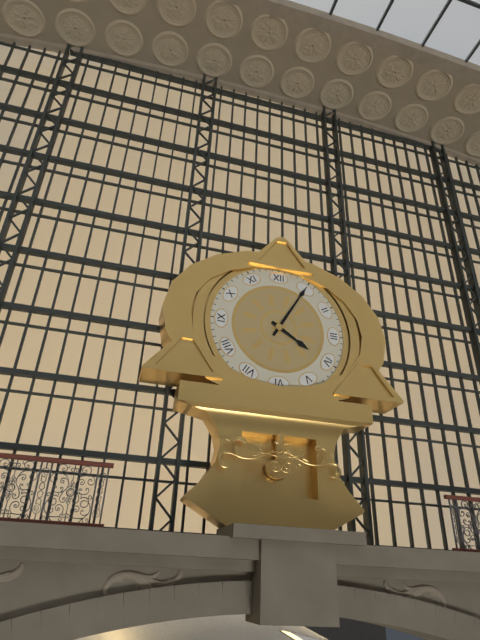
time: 4:05
